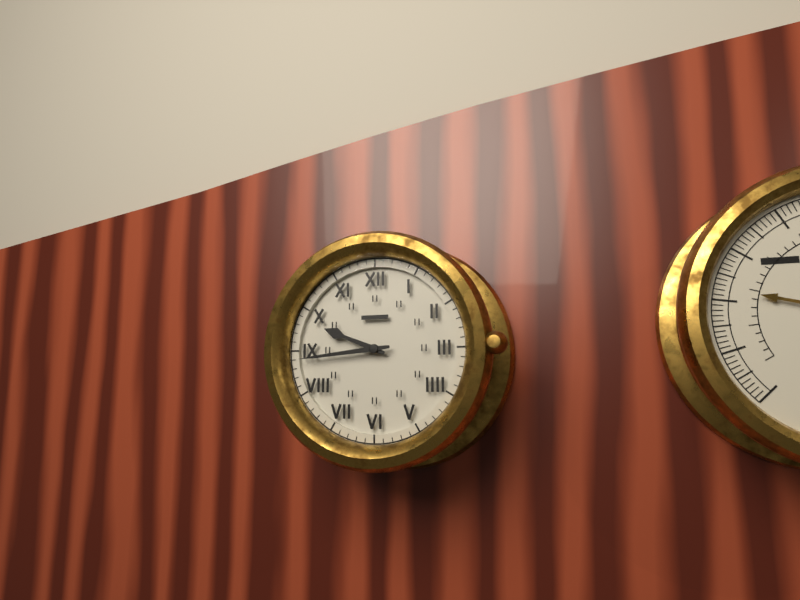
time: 9:44
